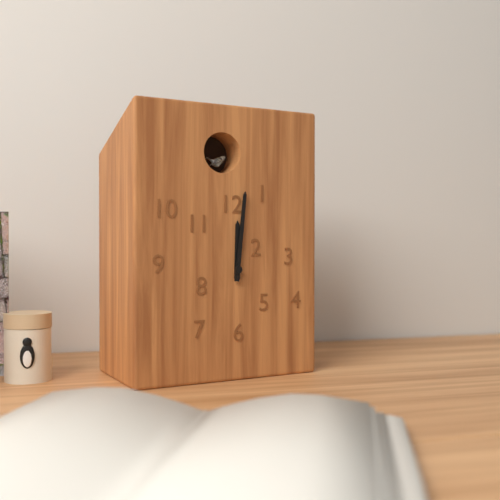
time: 12:01
